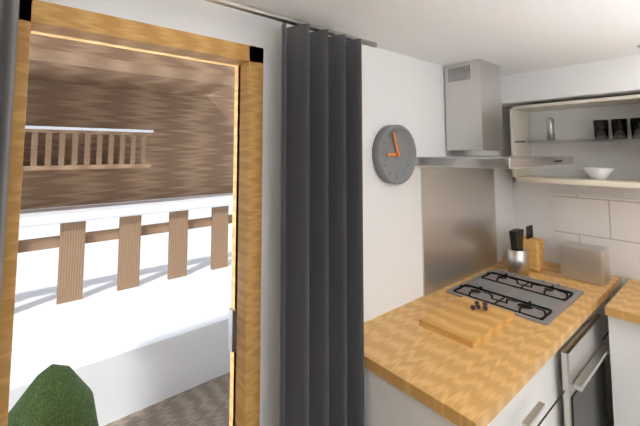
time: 8:57
